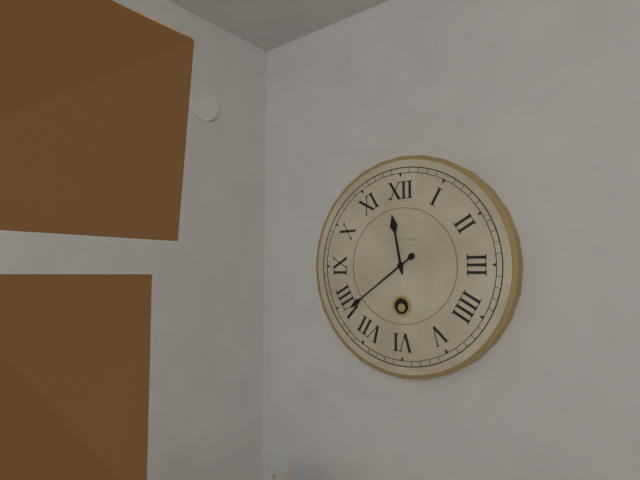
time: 11:39
